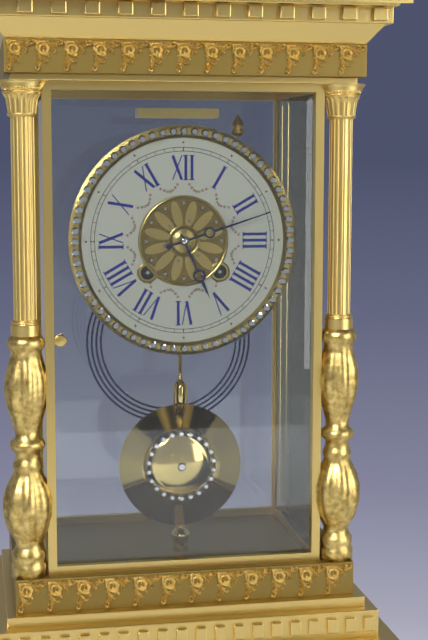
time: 5:12
